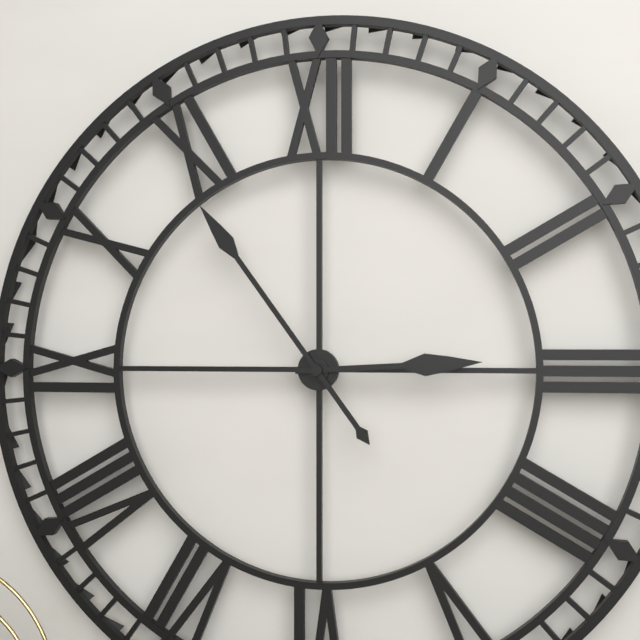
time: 2:54
